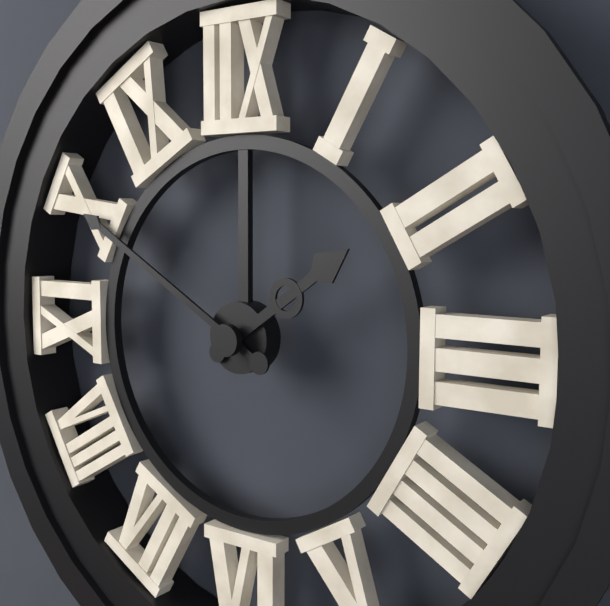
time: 1:50
